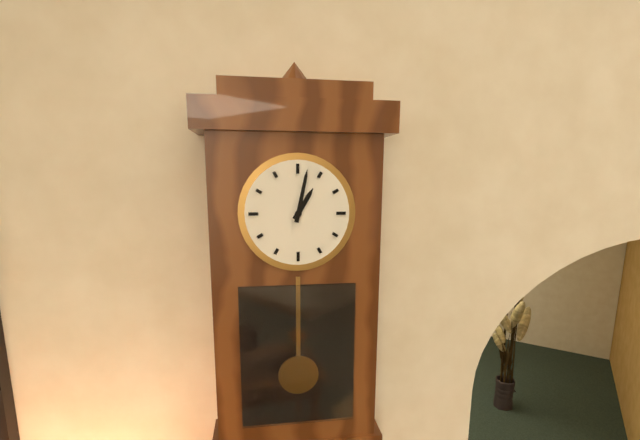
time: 1:02
